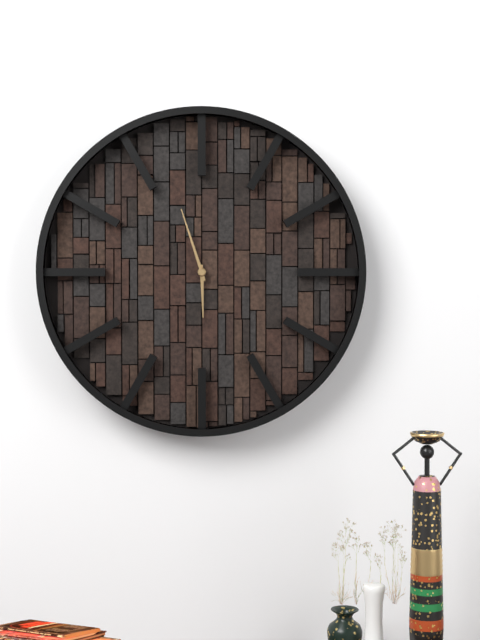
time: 5:57
